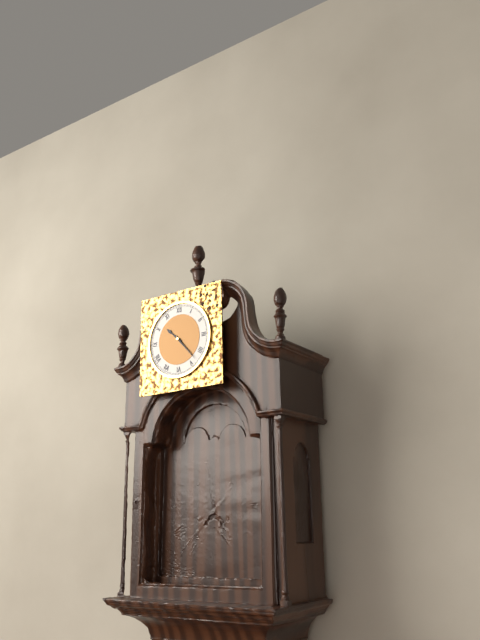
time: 10:23
